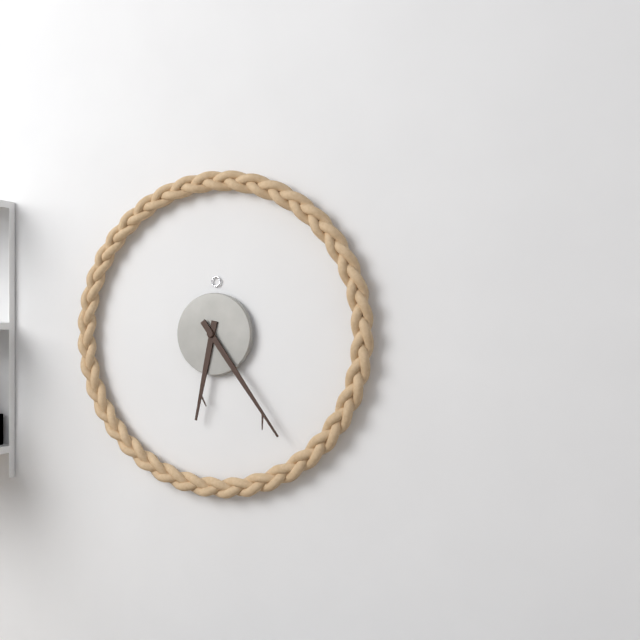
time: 6:24
